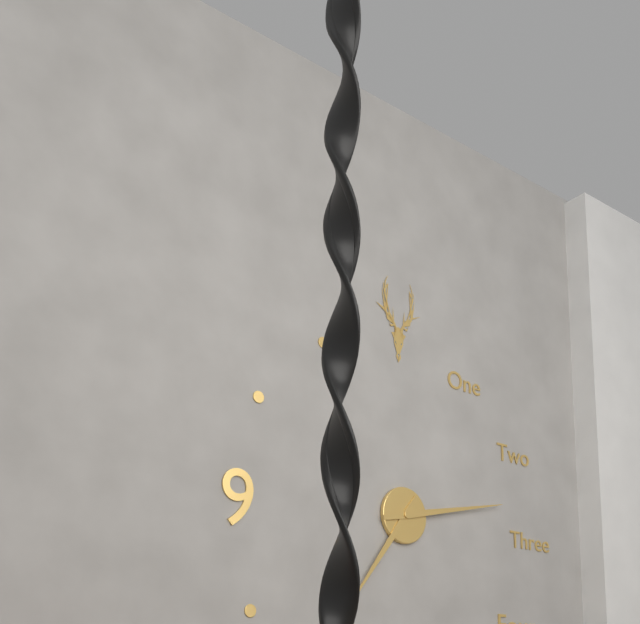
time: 7:13
